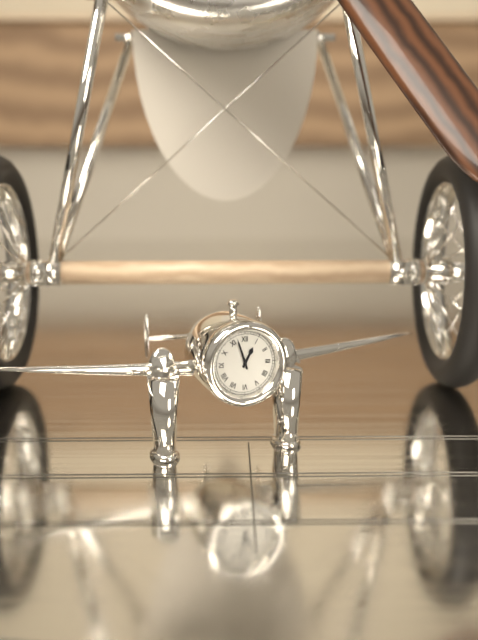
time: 12:57
